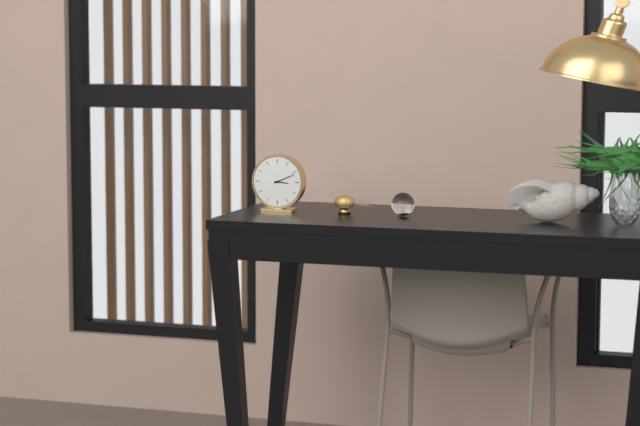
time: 3:11
